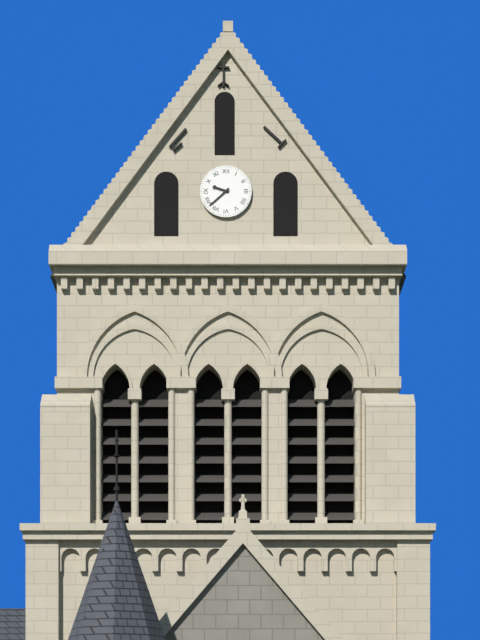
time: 9:38
